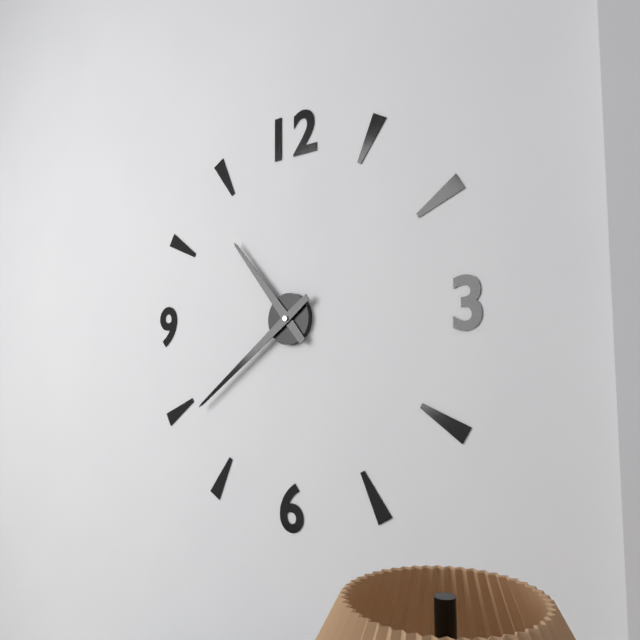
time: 10:39
